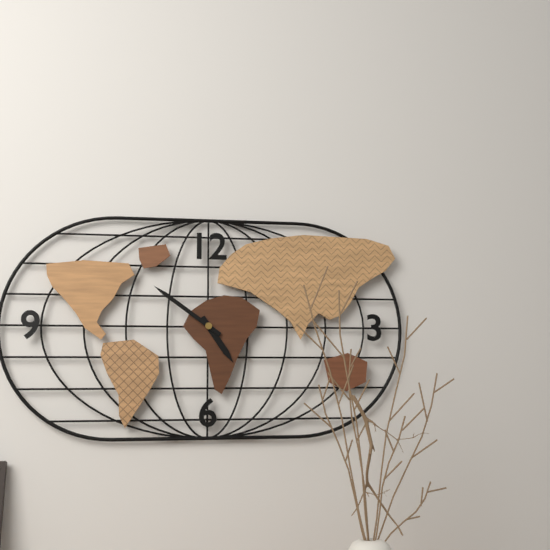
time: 4:51
